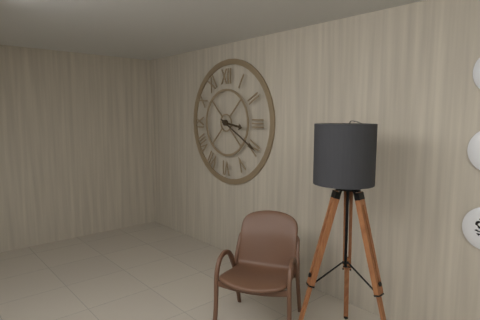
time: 3:20
